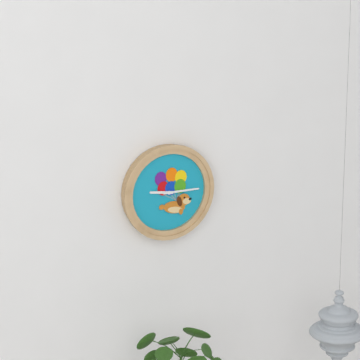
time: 9:15
